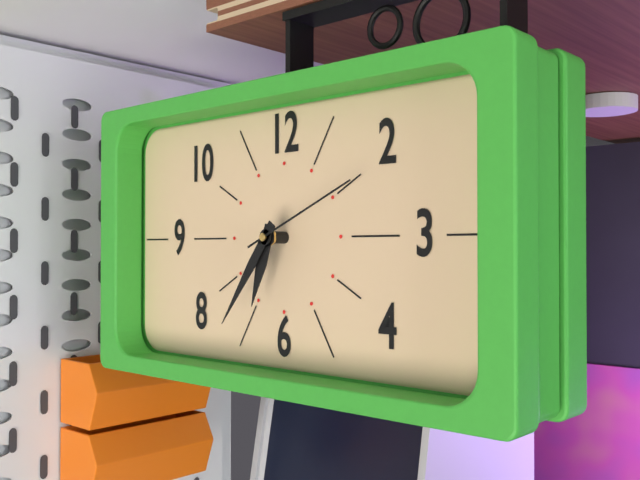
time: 6:36:11
